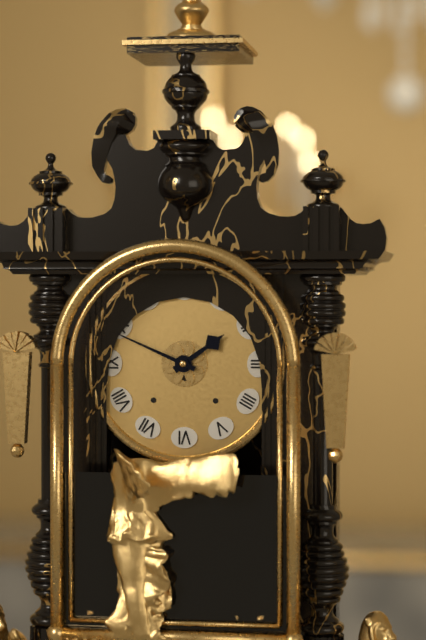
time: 1:49
